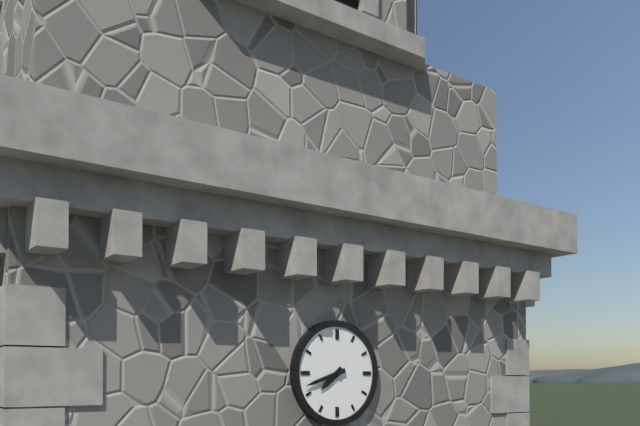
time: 7:42
